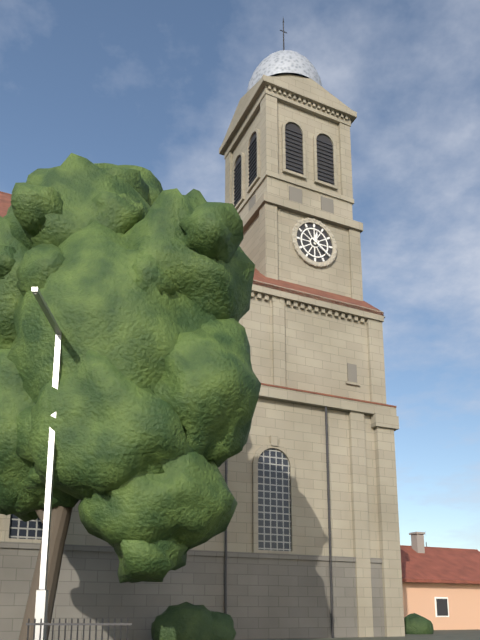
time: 12:21
